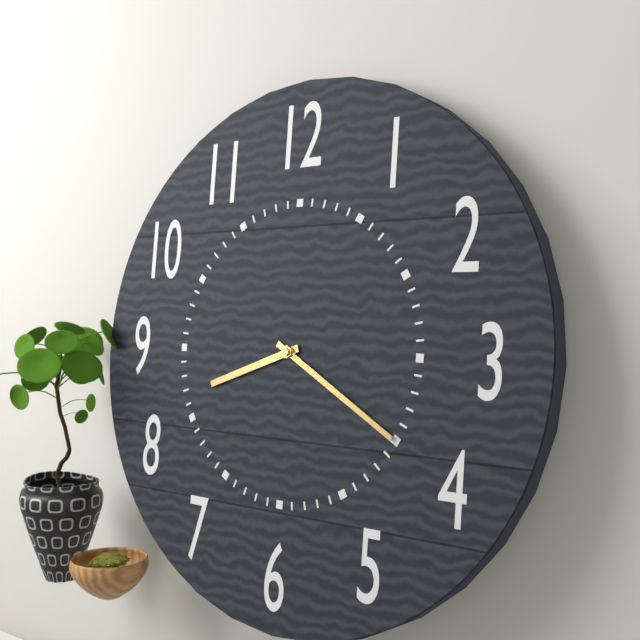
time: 8:20
